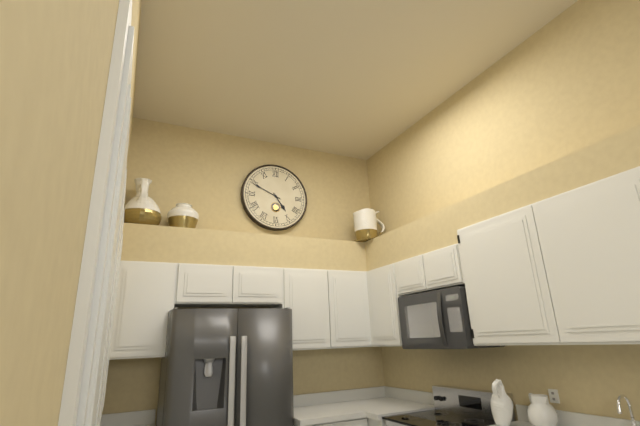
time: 4:49
